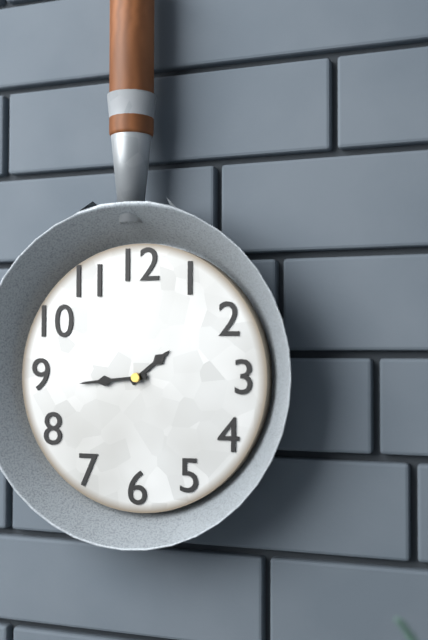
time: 1:44
